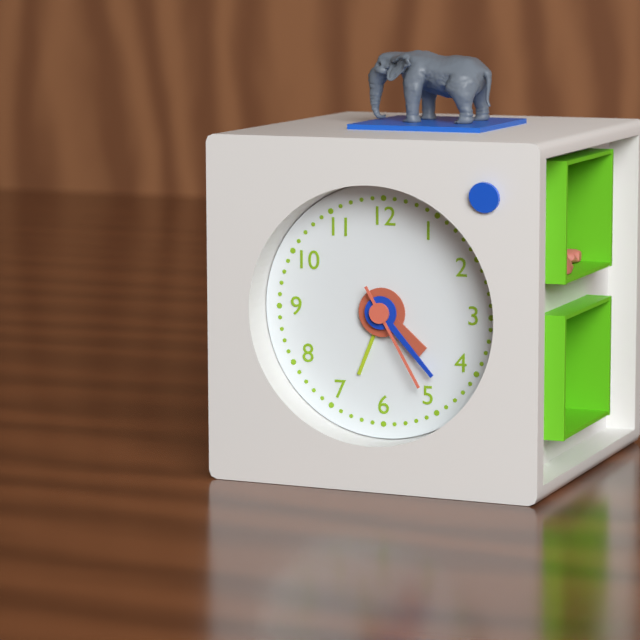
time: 4:23:25
